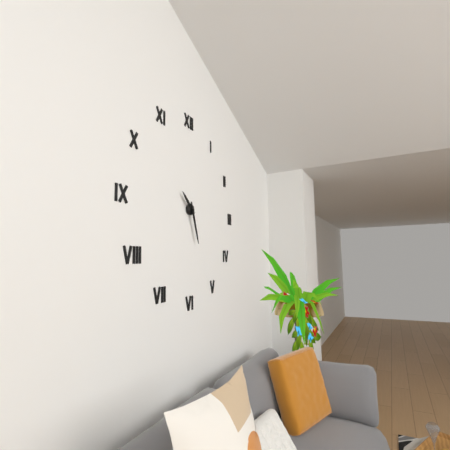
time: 10:27
